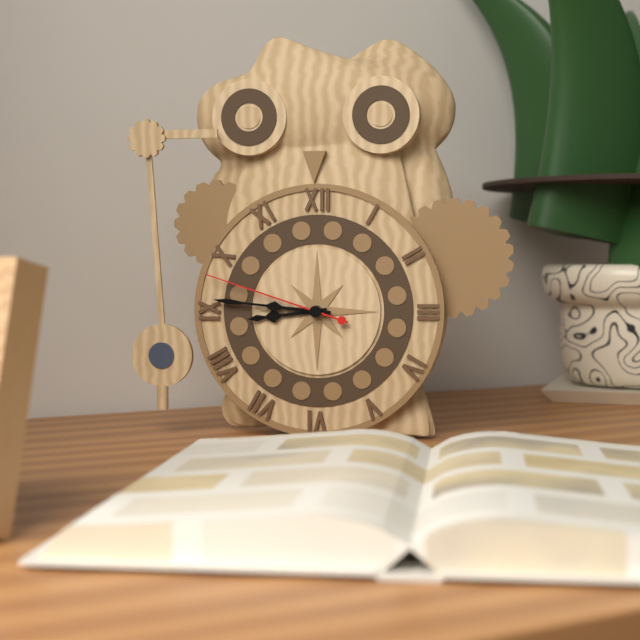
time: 8:46:48
